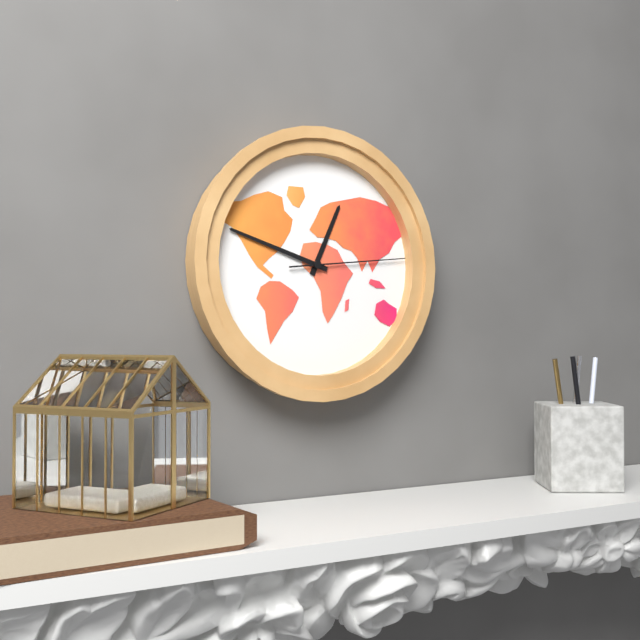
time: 12:48:14
